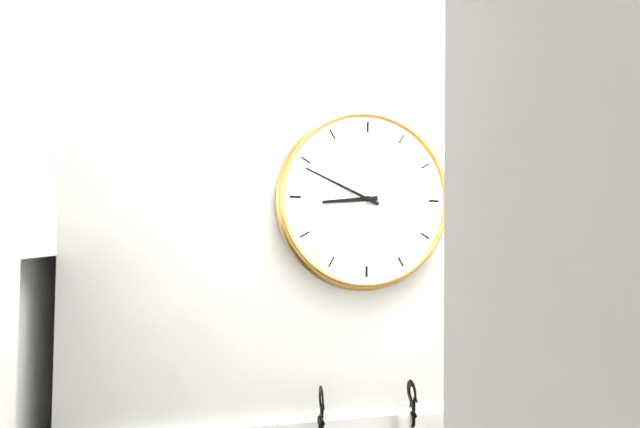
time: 8:49
